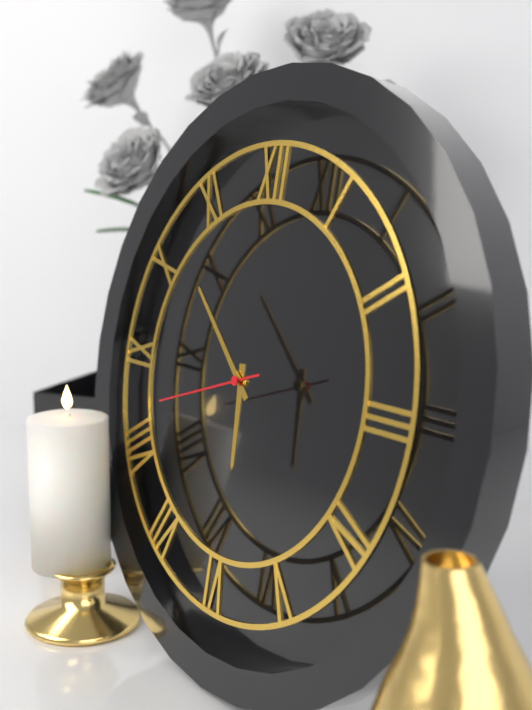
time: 5:52:42
